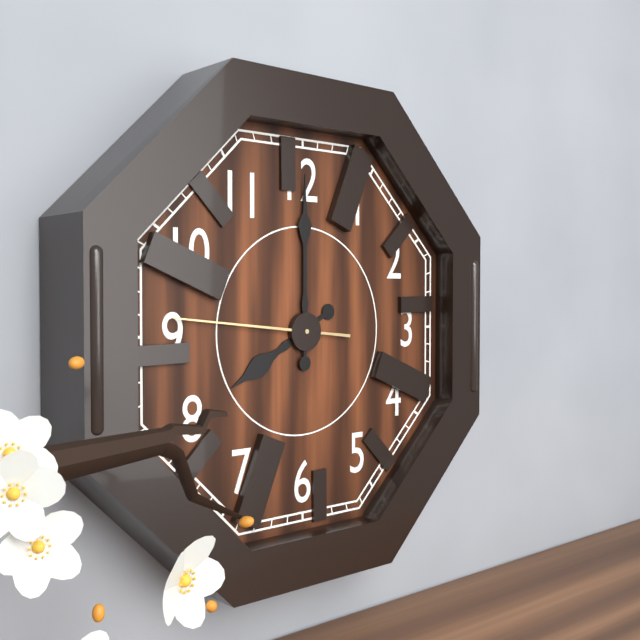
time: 8:00:46
